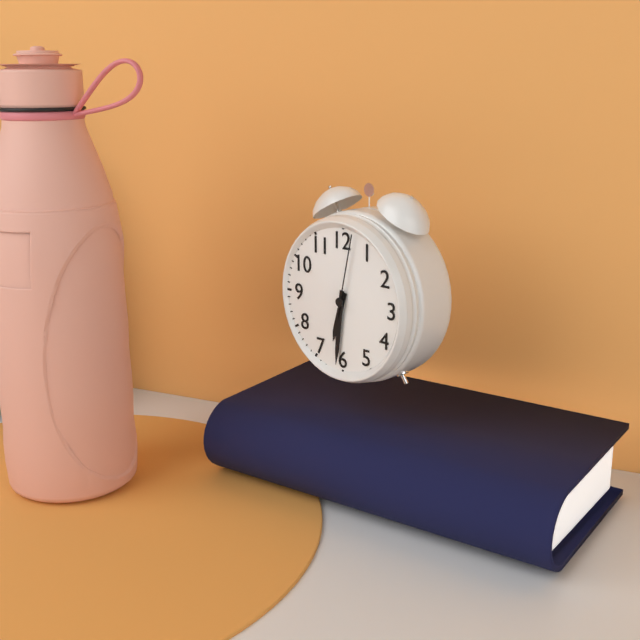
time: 6:31:02
